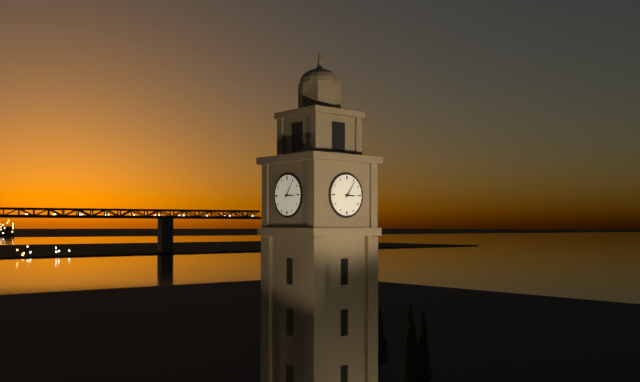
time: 3:06
